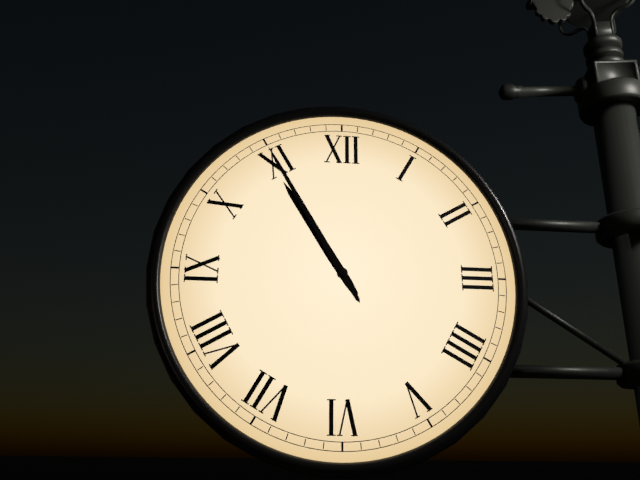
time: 10:55
